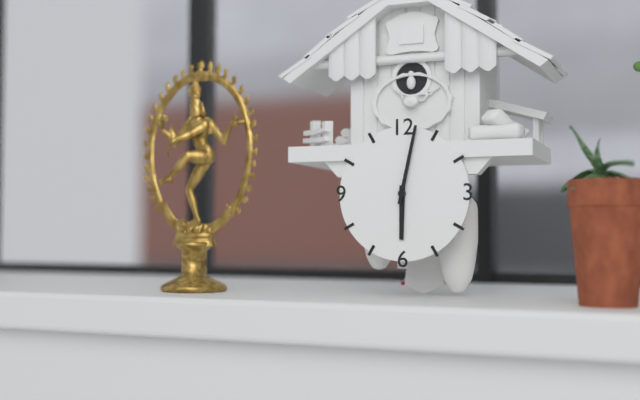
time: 6:02
